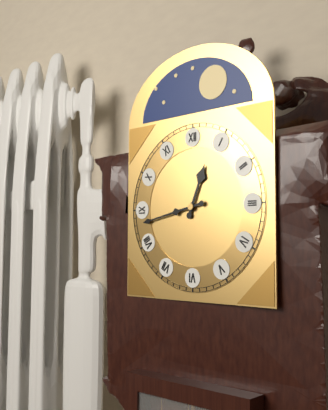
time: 12:43
